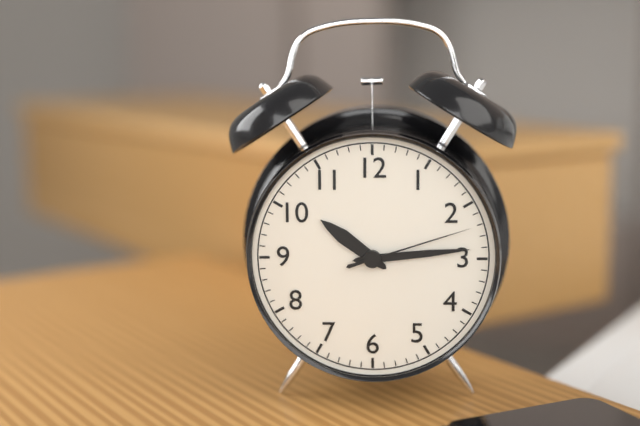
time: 10:14:12
